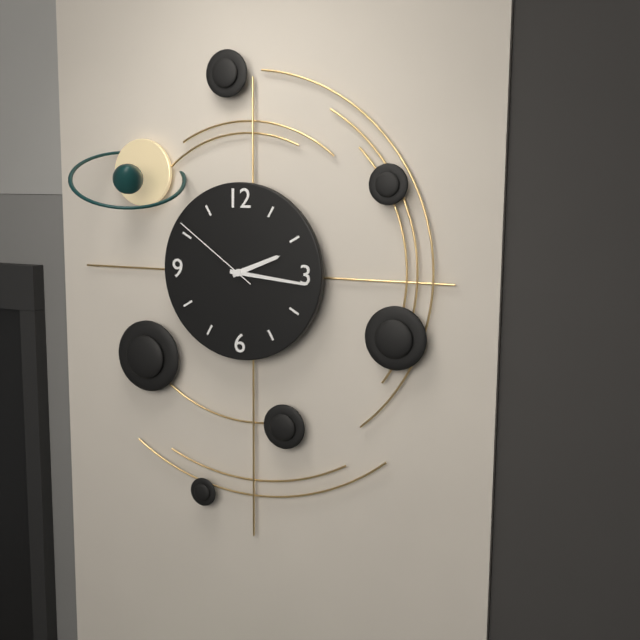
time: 2:16:51
